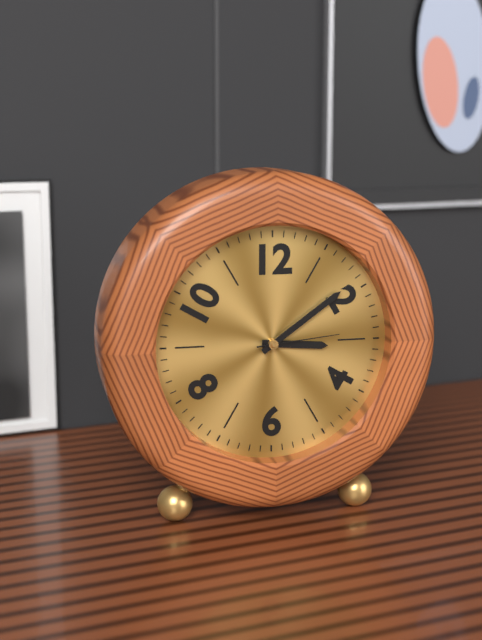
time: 3:09:14
